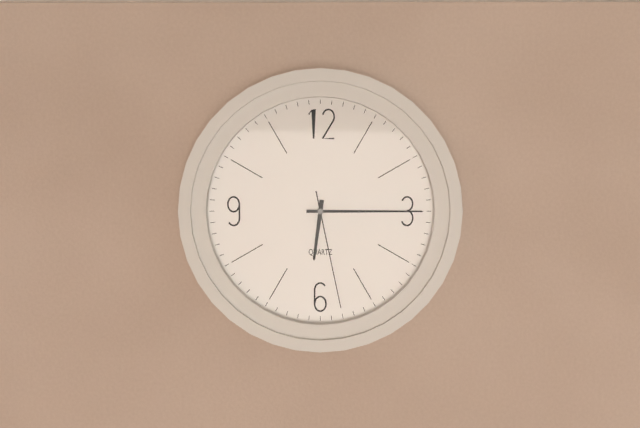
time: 6:15:28
